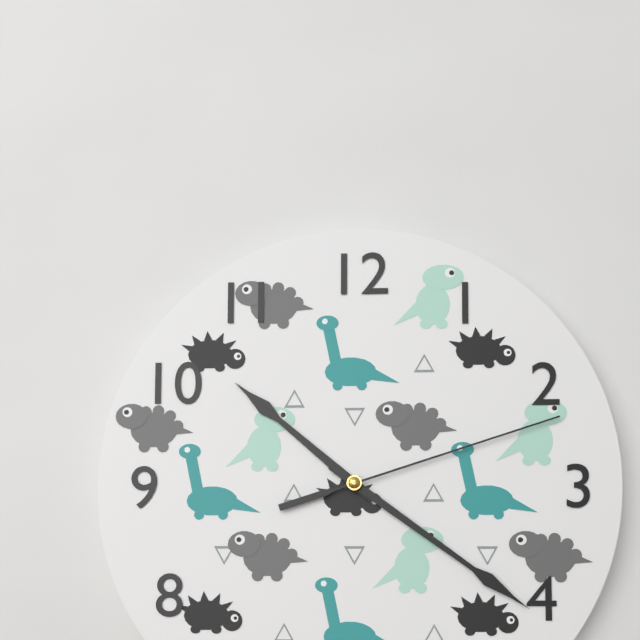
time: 10:21:12
